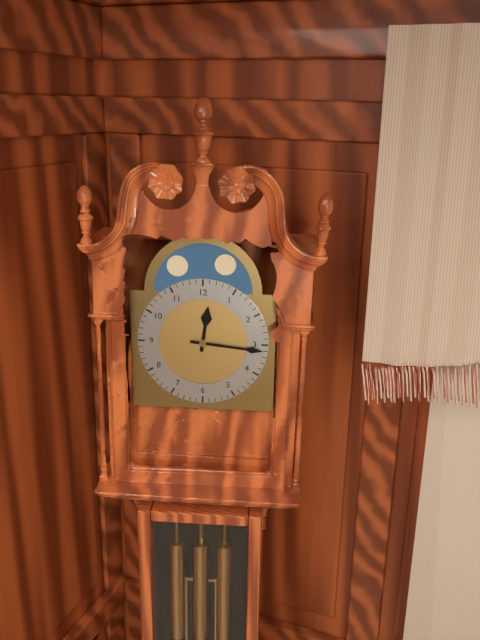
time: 12:16
